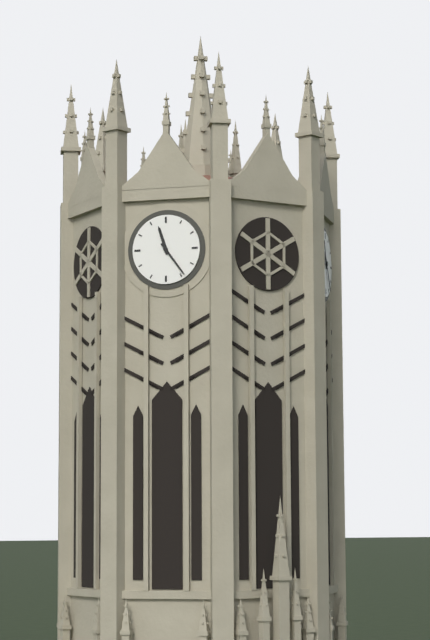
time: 11:24
